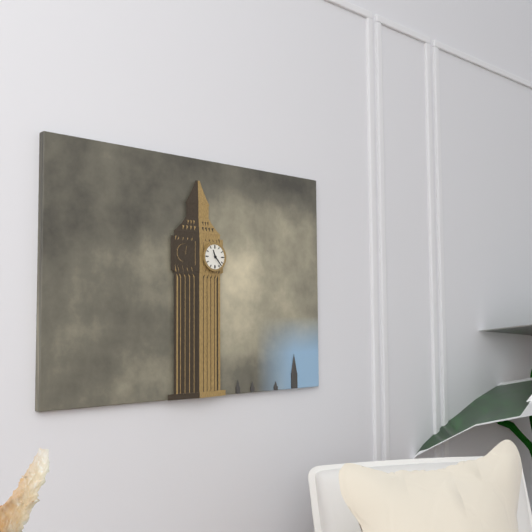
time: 11:23
